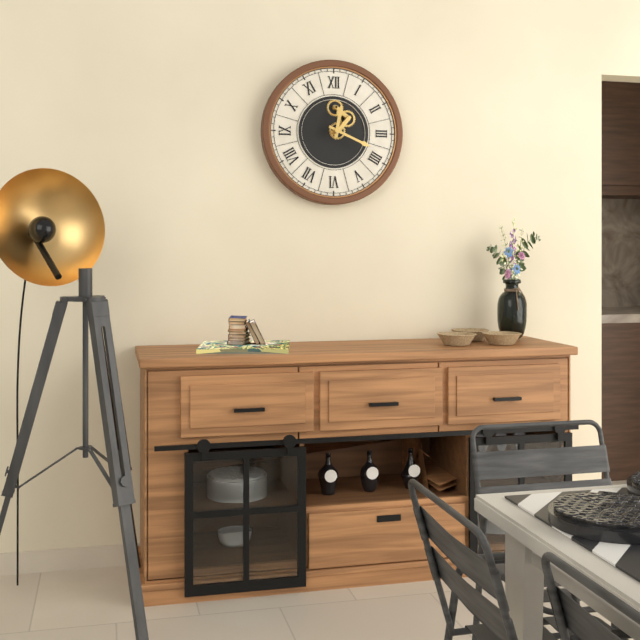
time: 12:19
